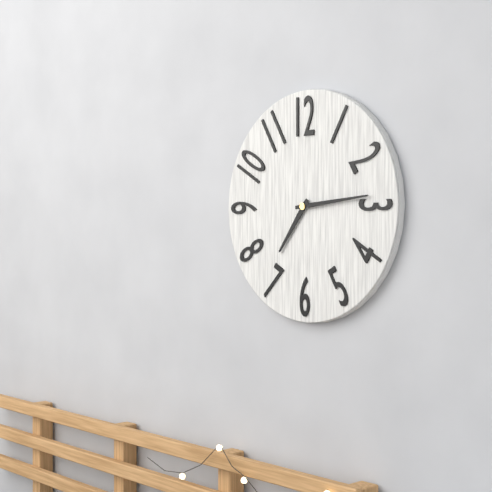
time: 7:14
